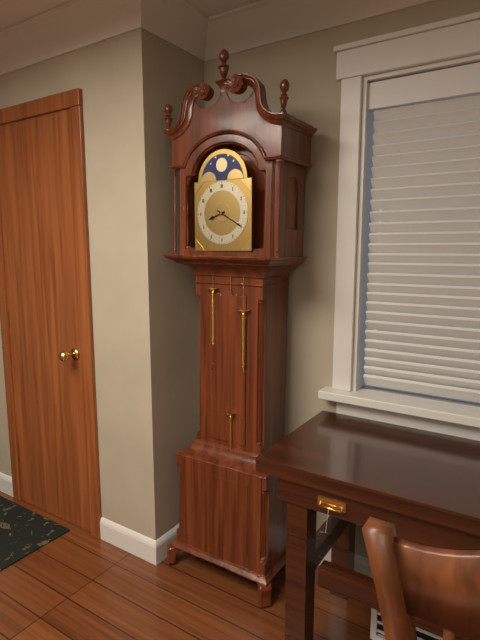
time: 8:20
